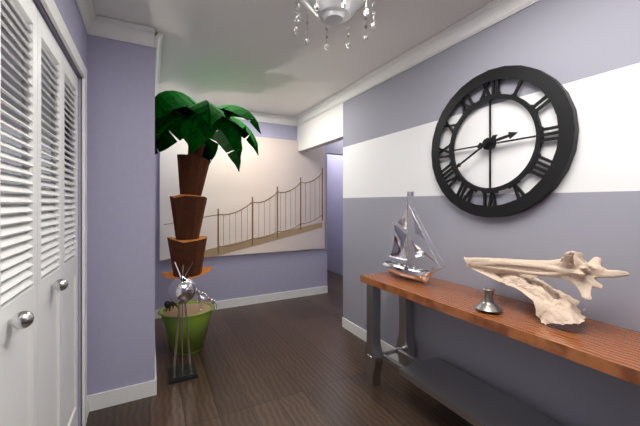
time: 2:40
